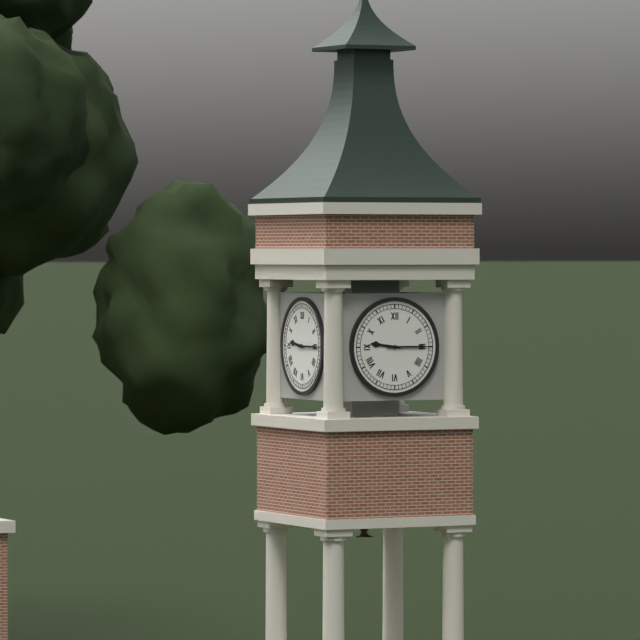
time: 9:15
